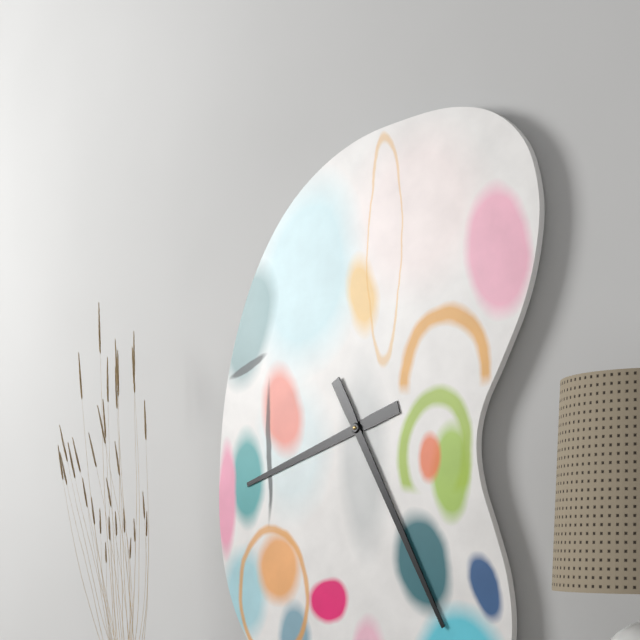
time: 8:25
